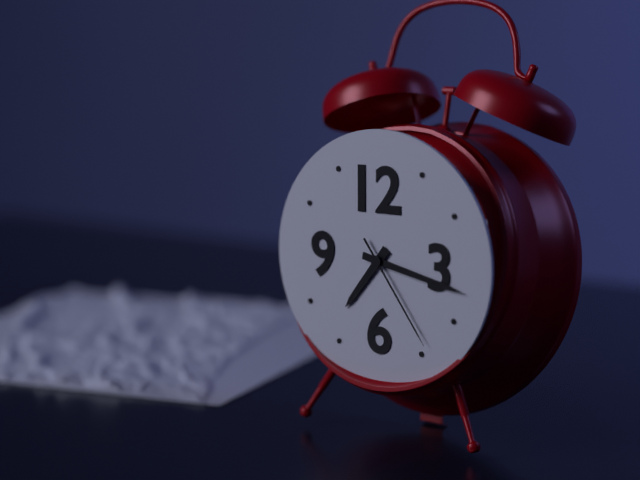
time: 7:17:24
